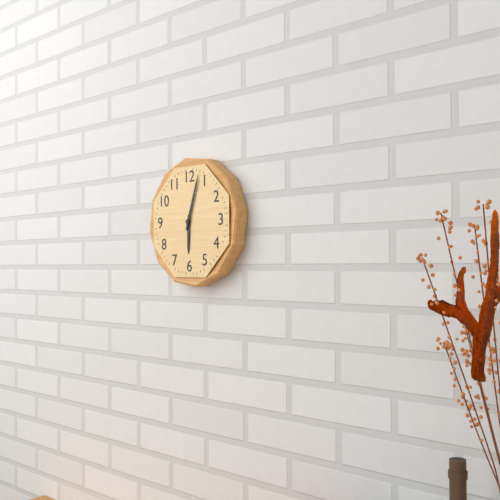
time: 6:03
